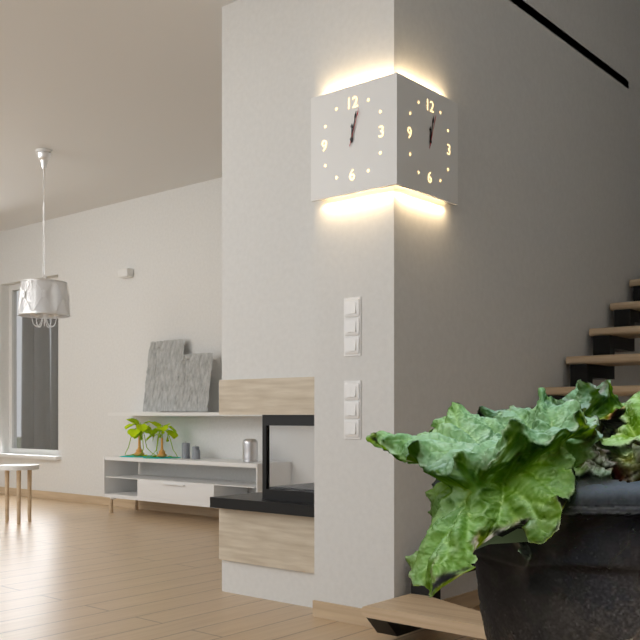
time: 12:02
